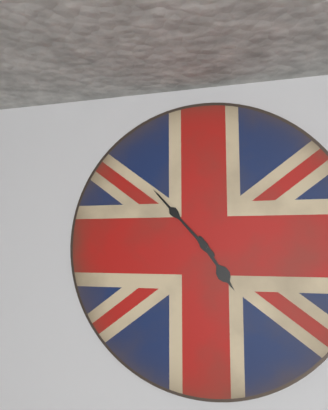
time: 4:53
